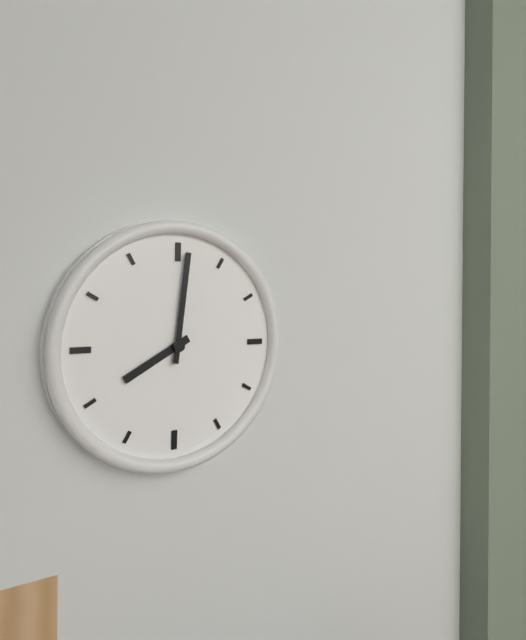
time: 8:01
